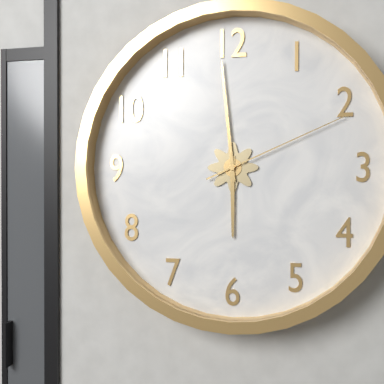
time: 5:59:11
